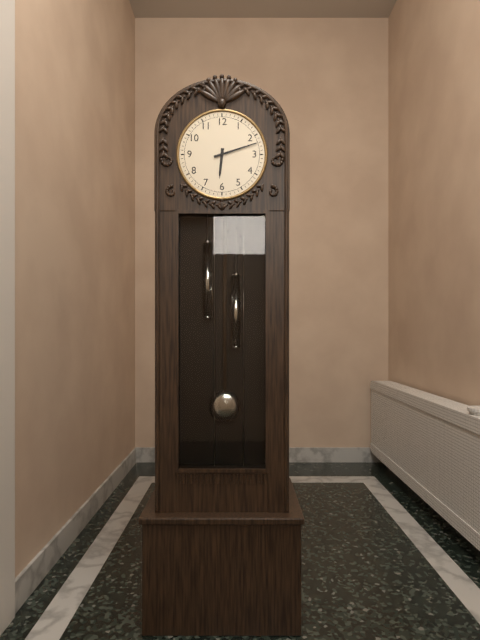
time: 6:12
